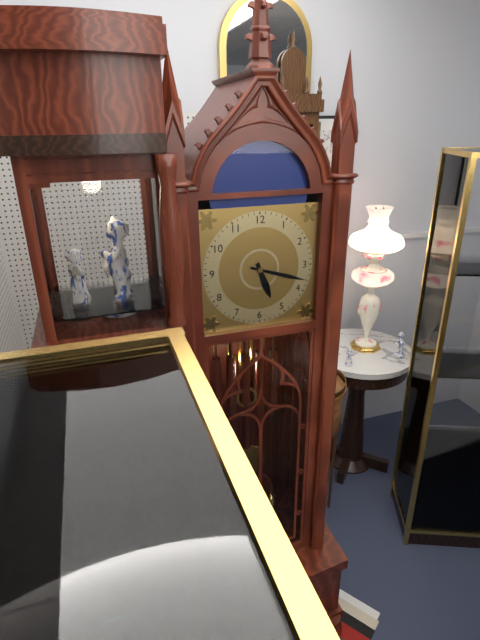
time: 5:18
